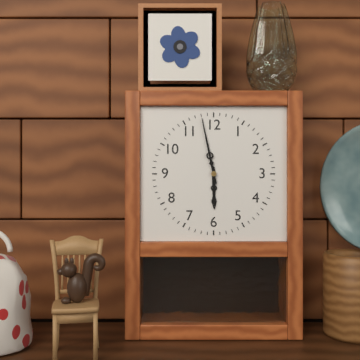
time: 5:58
